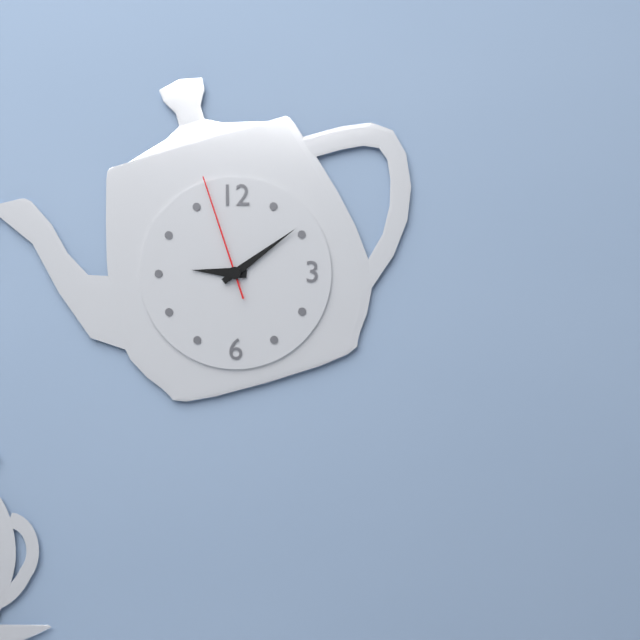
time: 9:09:57
